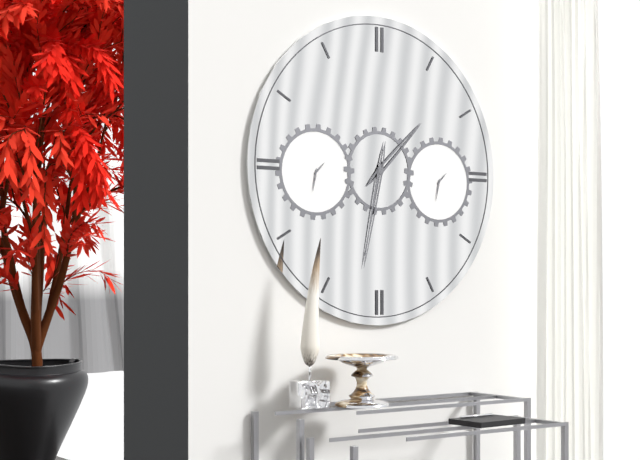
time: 1:32
